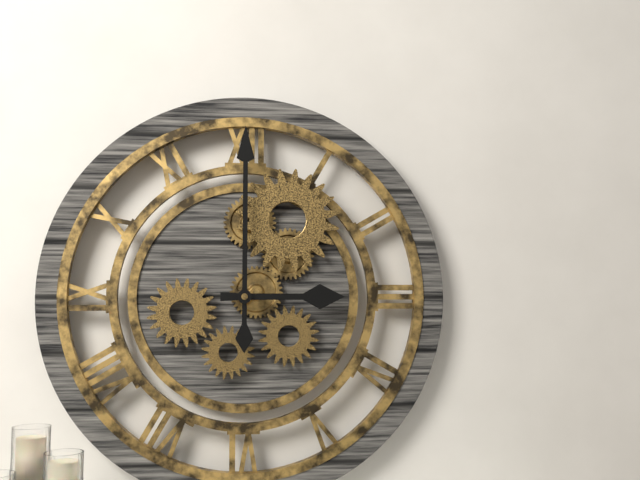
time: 3:00
